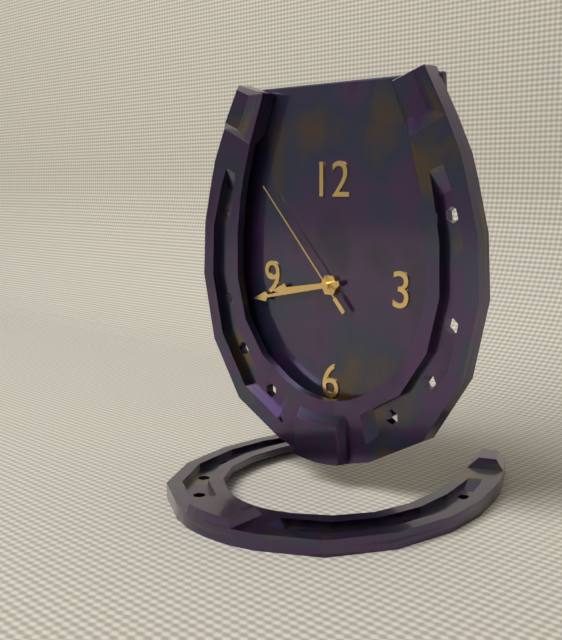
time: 8:43:53
